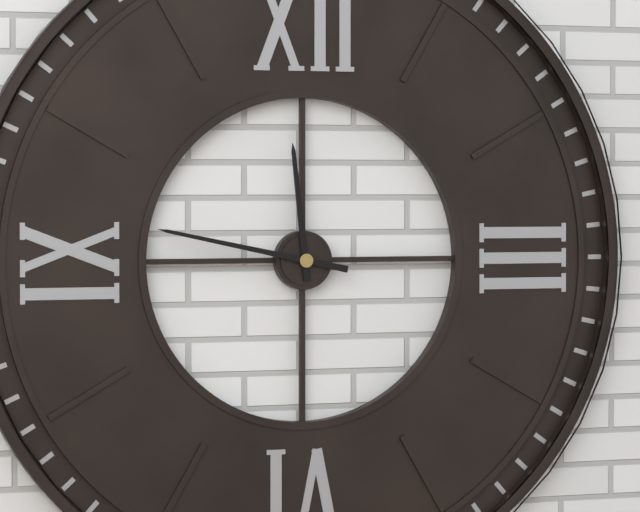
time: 11:47
